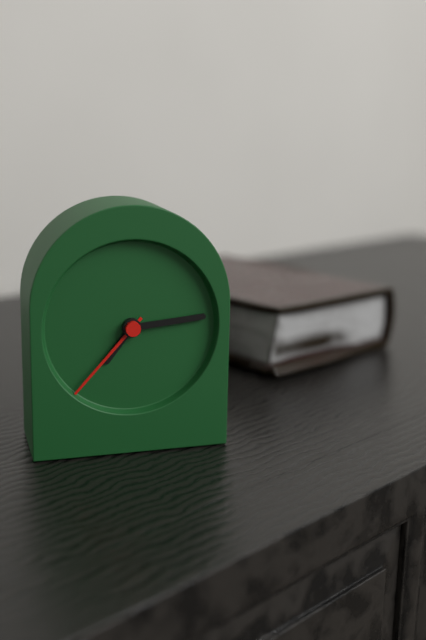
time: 7:14:37
